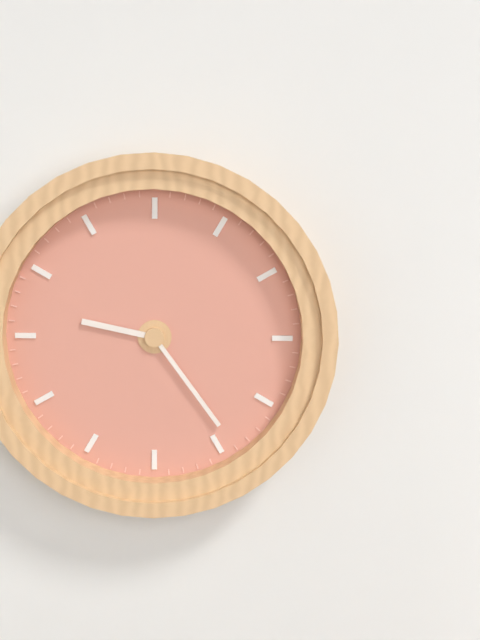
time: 9:24
